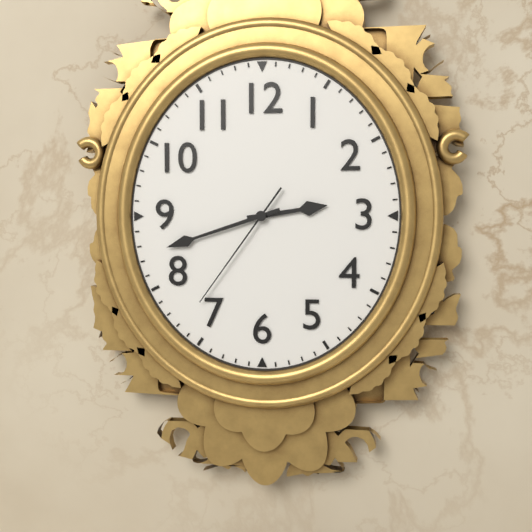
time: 2:42:36
